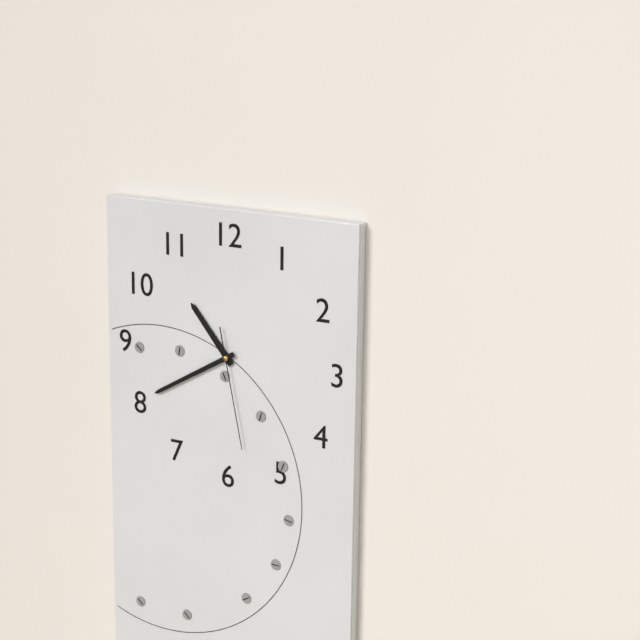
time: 10:40:28
